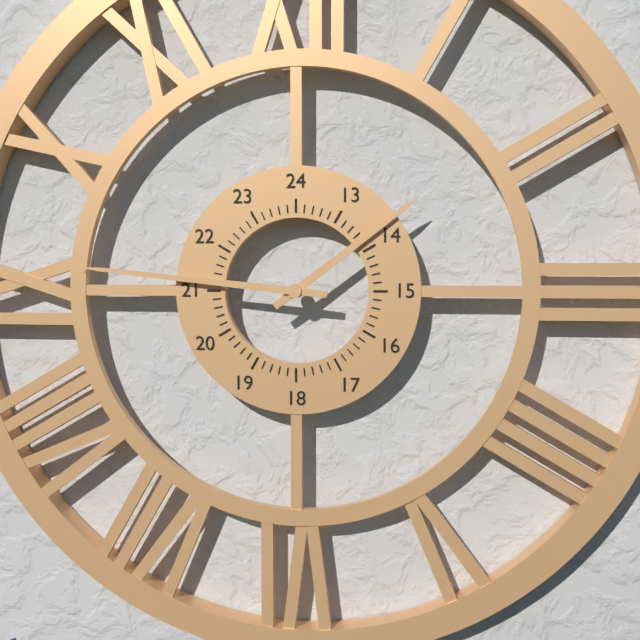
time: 1:46
